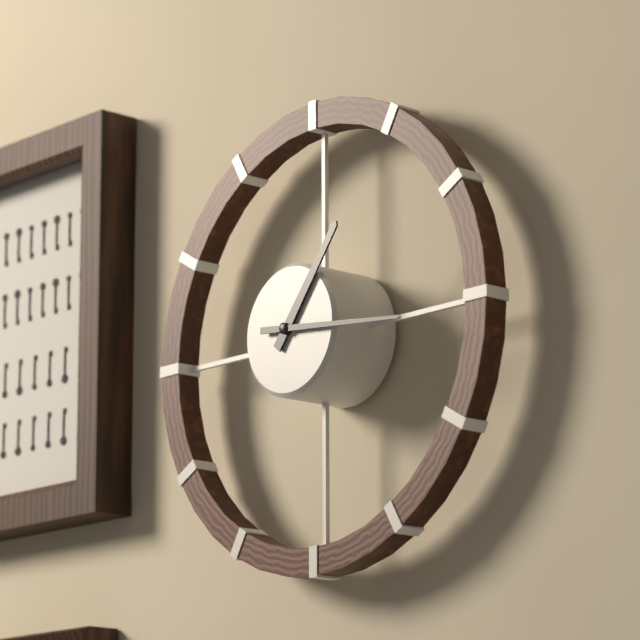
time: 1:16
